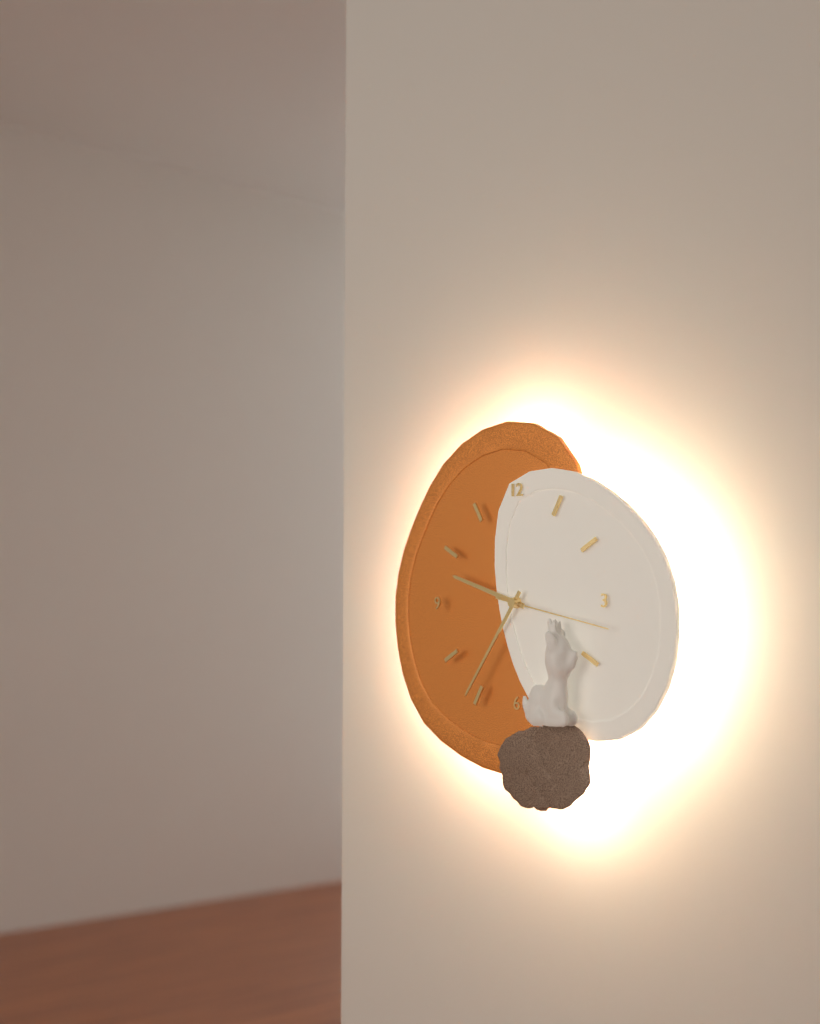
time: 9:36:17
